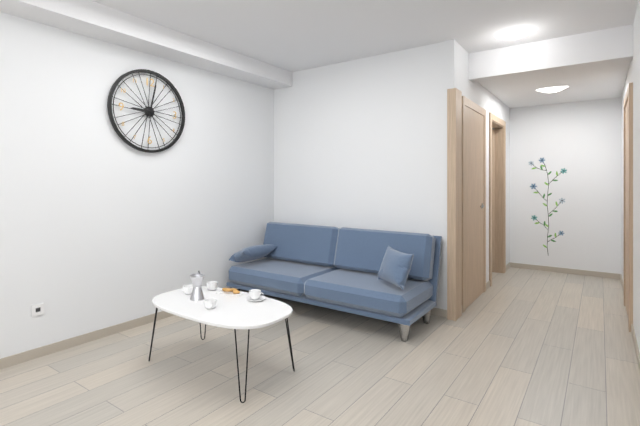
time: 9:02
